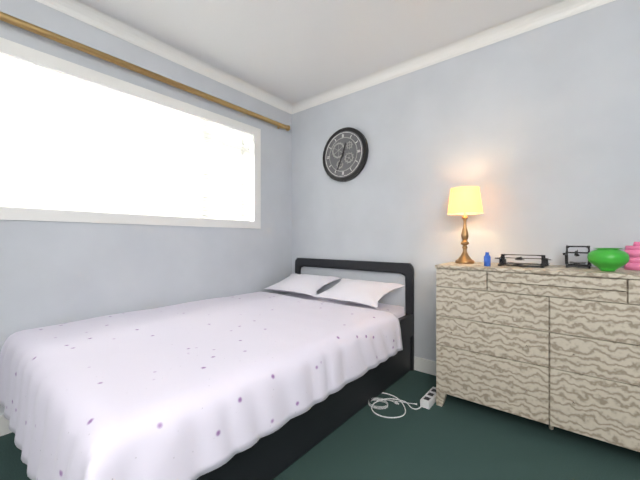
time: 12:34
